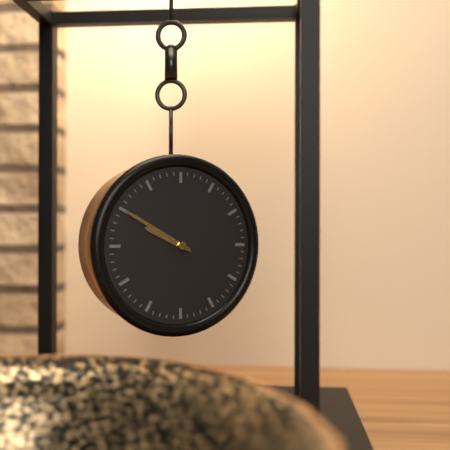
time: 9:50
